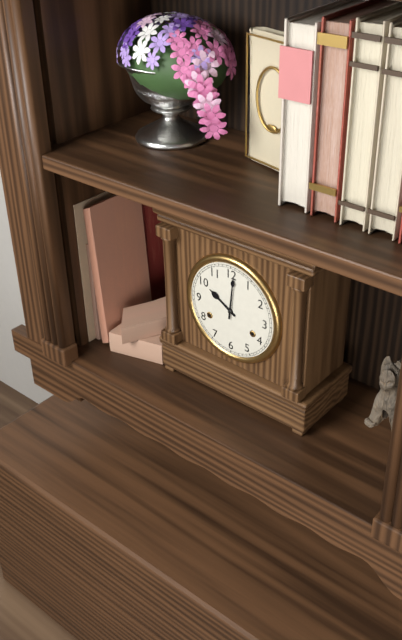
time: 10:01
